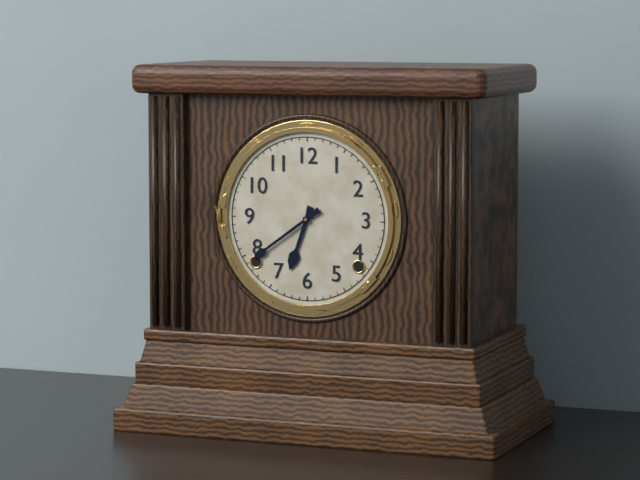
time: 6:39
